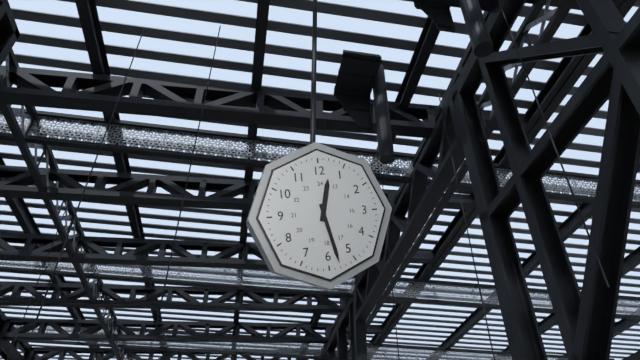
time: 12:28
